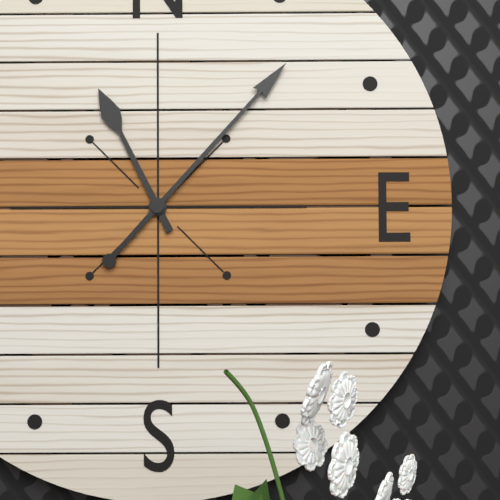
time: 11:07
